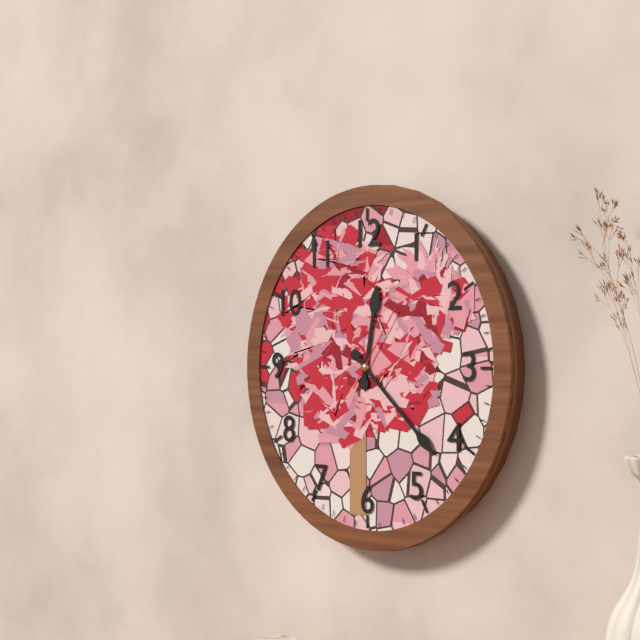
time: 12:22:06
